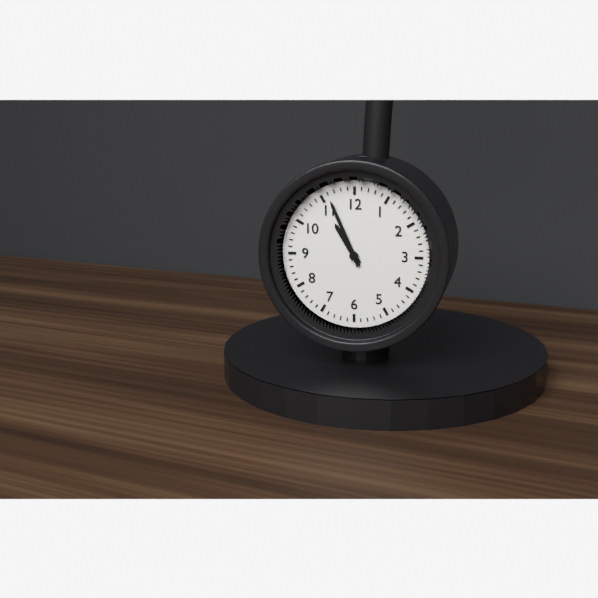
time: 10:56
